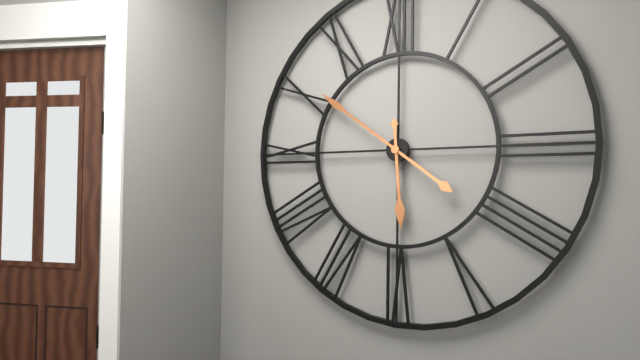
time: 5:51
